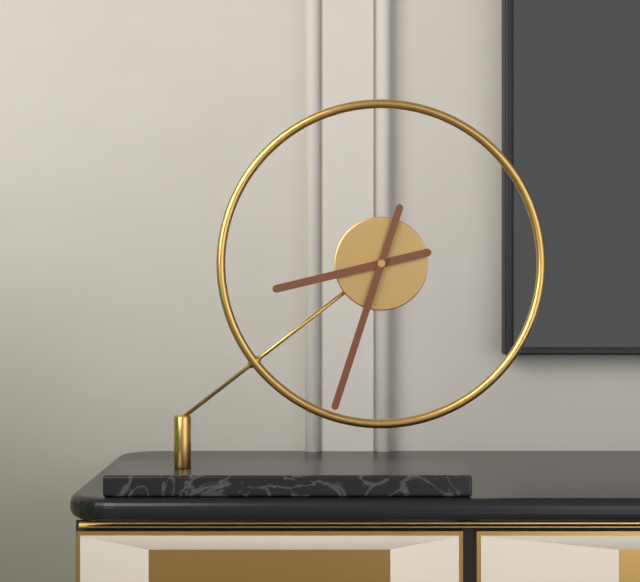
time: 8:33
